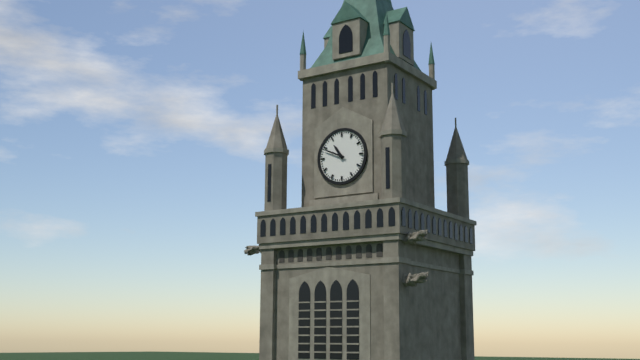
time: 10:49
